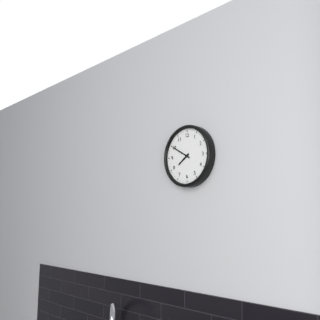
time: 7:50
